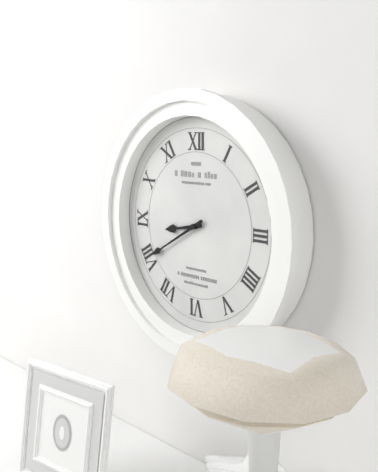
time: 8:40
